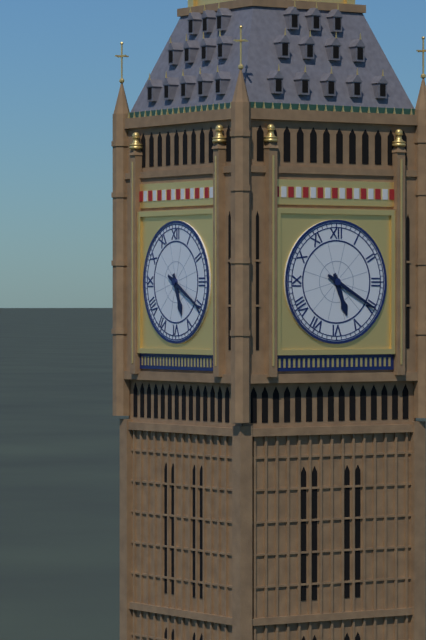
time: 5:20
